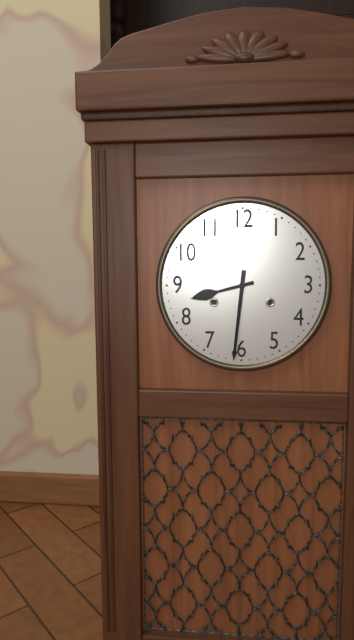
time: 8:31
